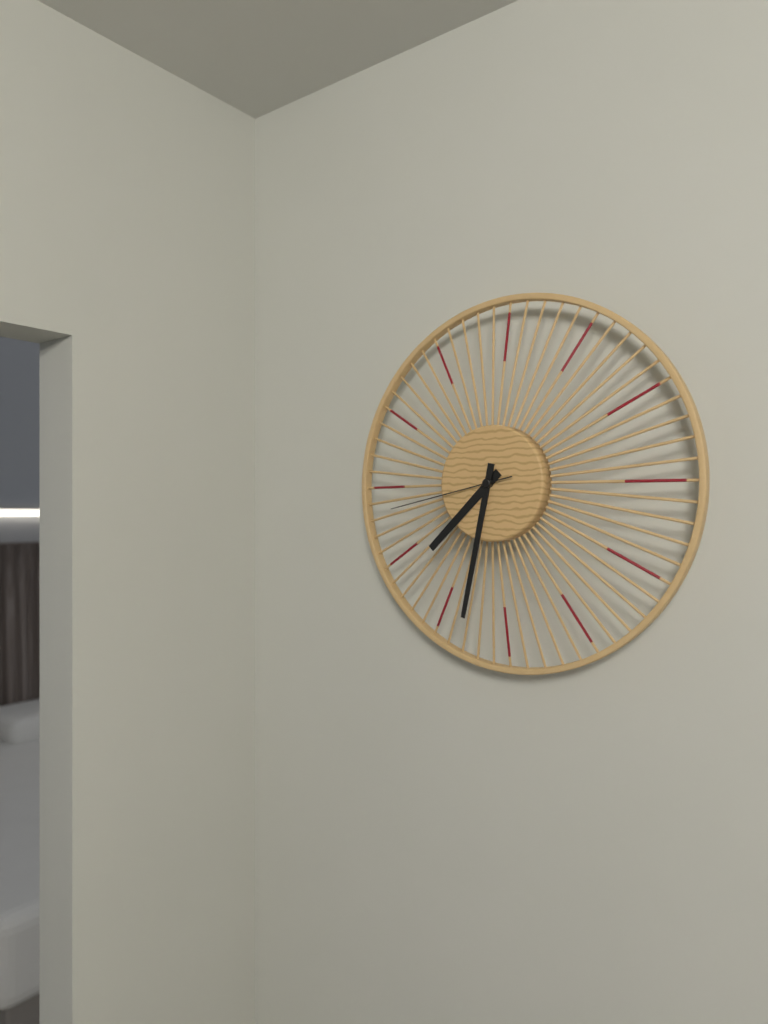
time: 7:32:43
